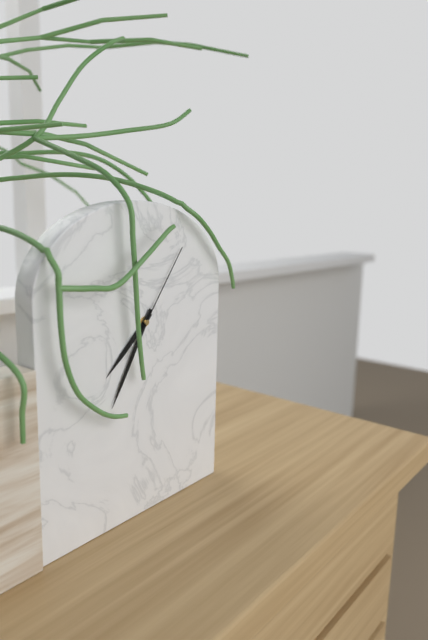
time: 7:35:06
